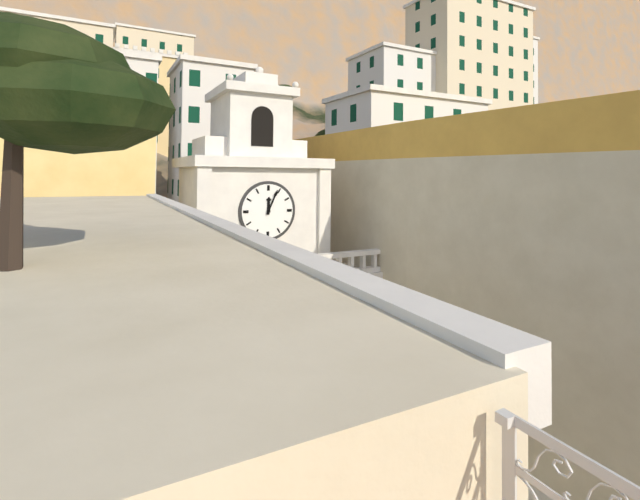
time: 12:04
